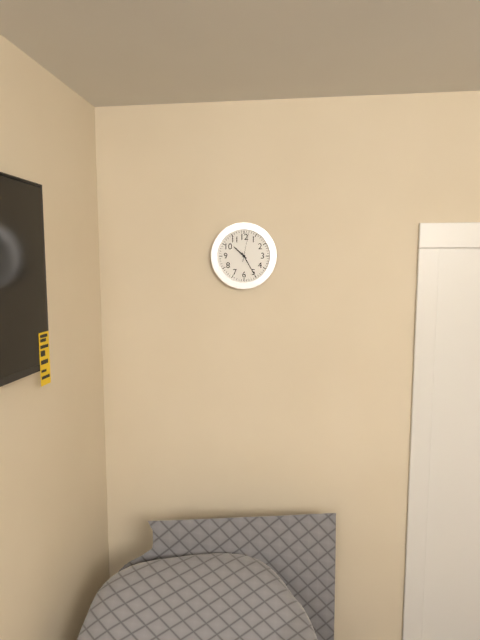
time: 10:25
